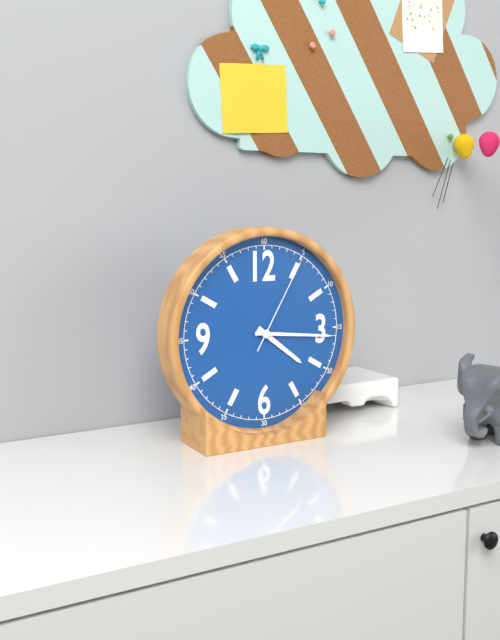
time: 4:16:05
